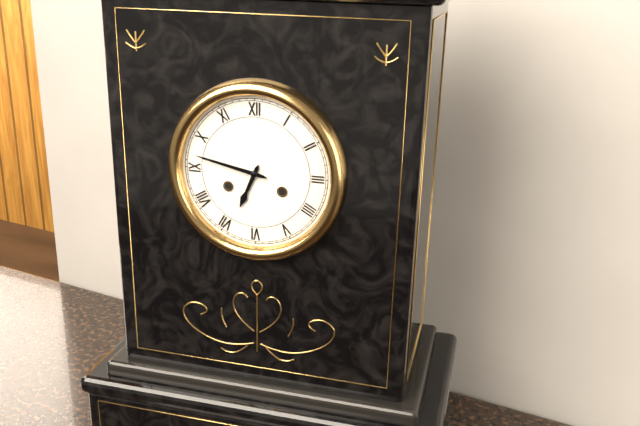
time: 6:47
